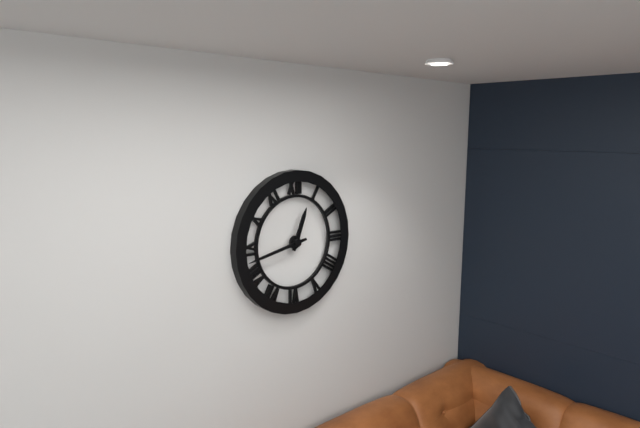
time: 12:43
